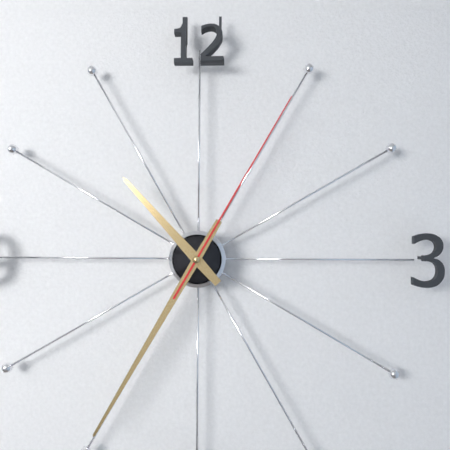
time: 10:35:05
